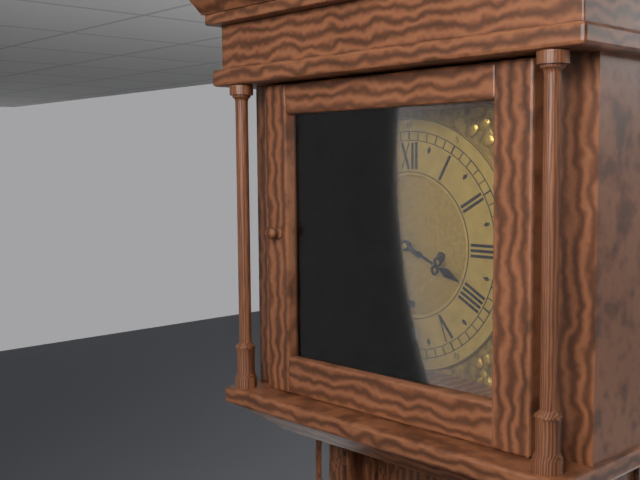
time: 3:50
